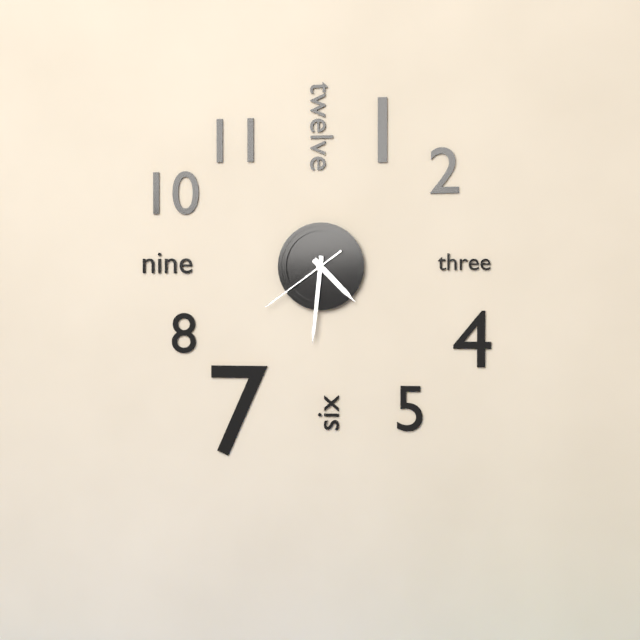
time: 4:31:39
